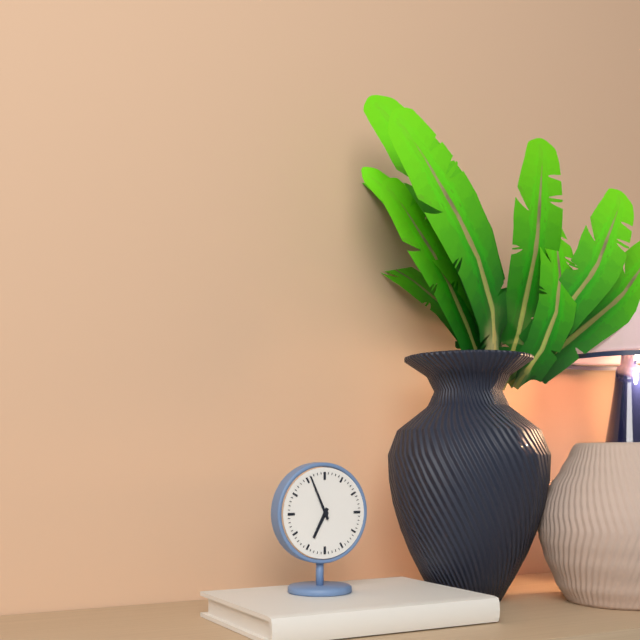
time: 6:56
